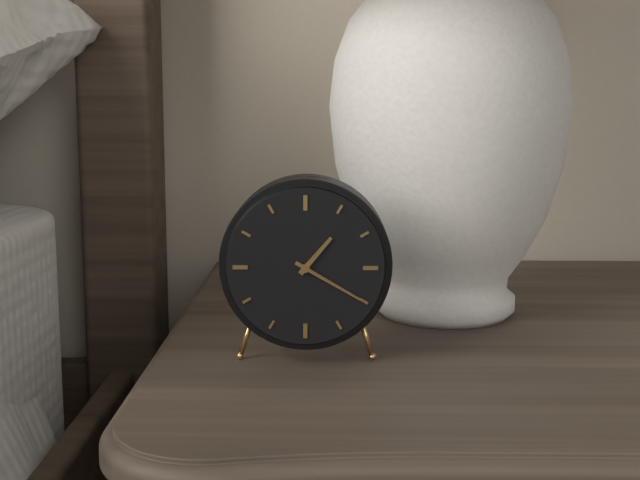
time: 1:20
